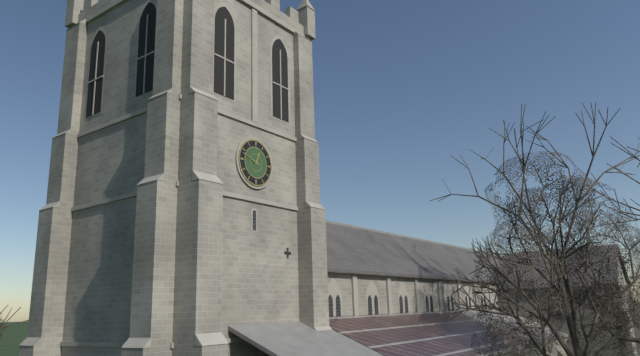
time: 12:48
